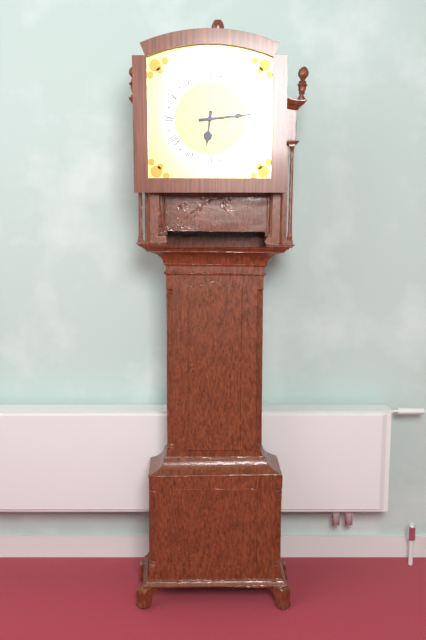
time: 6:14
